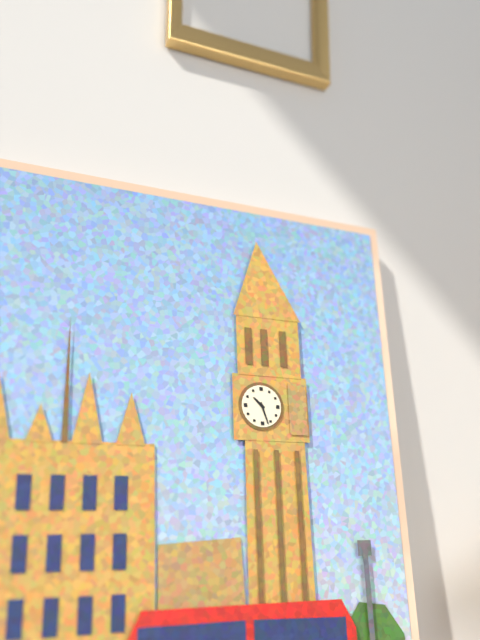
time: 10:27
